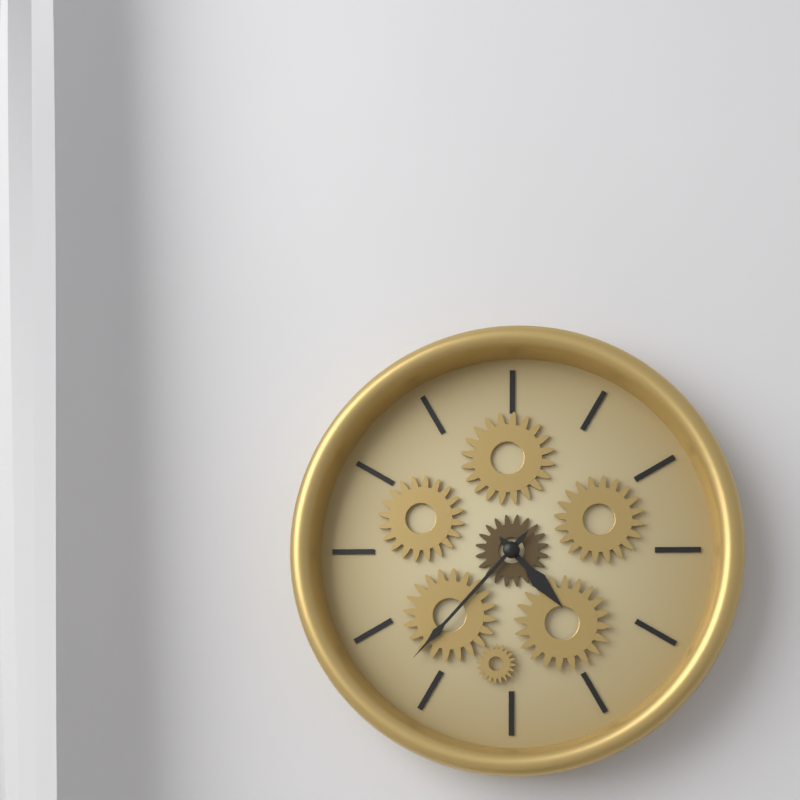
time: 4:37
